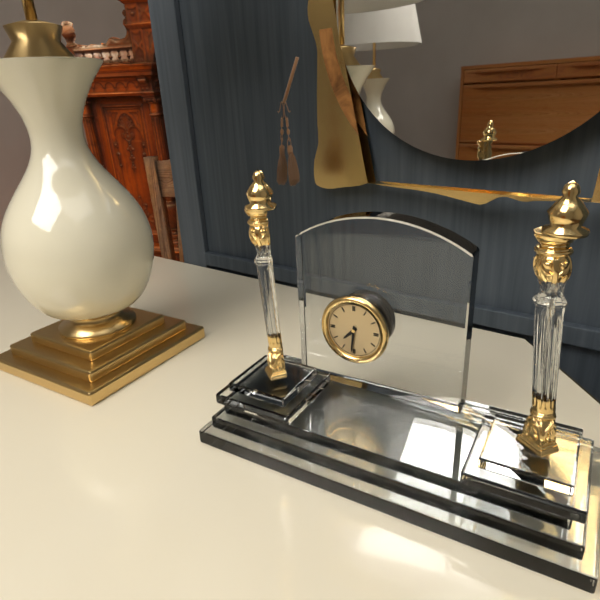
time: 7:31
